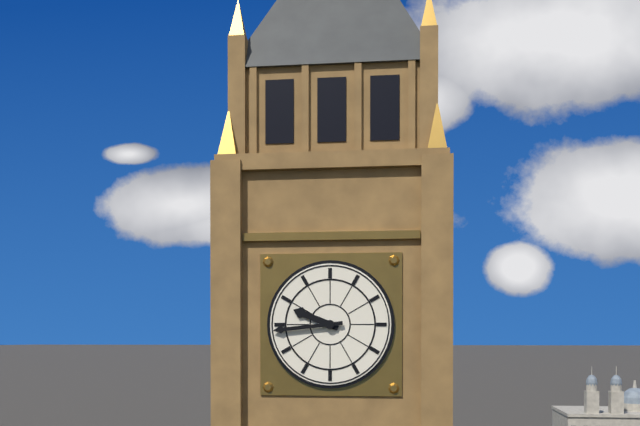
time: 9:44
